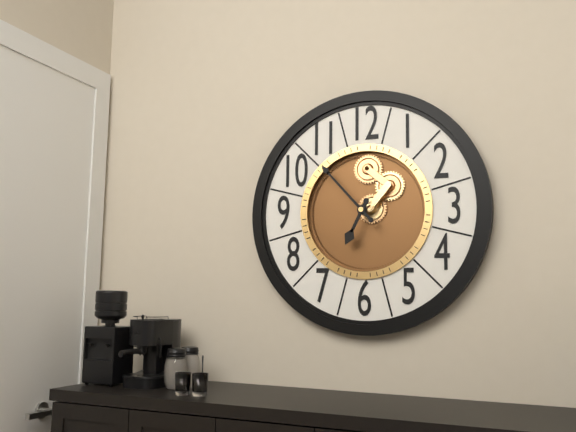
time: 6:53
